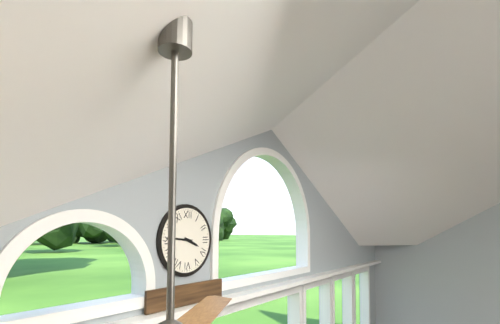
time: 3:46
